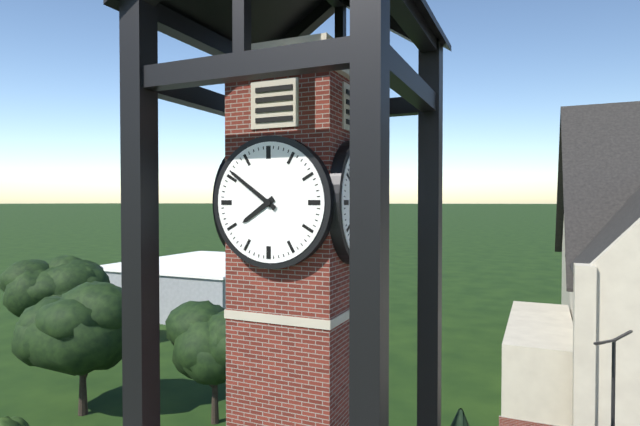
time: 7:51
